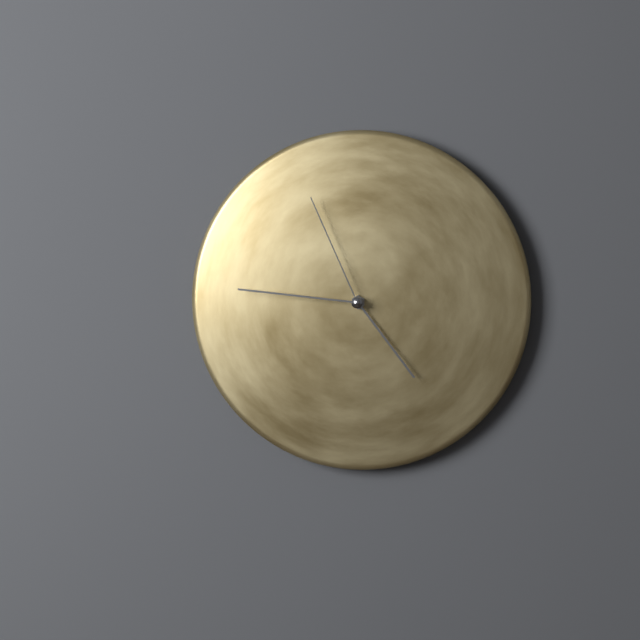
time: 4:46:56
